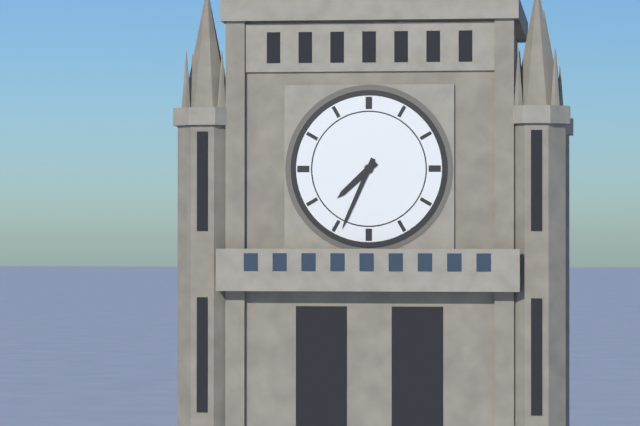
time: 7:34
